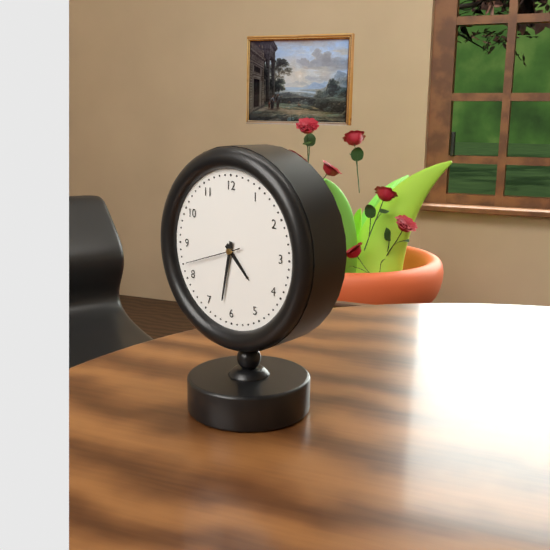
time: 4:32:42
